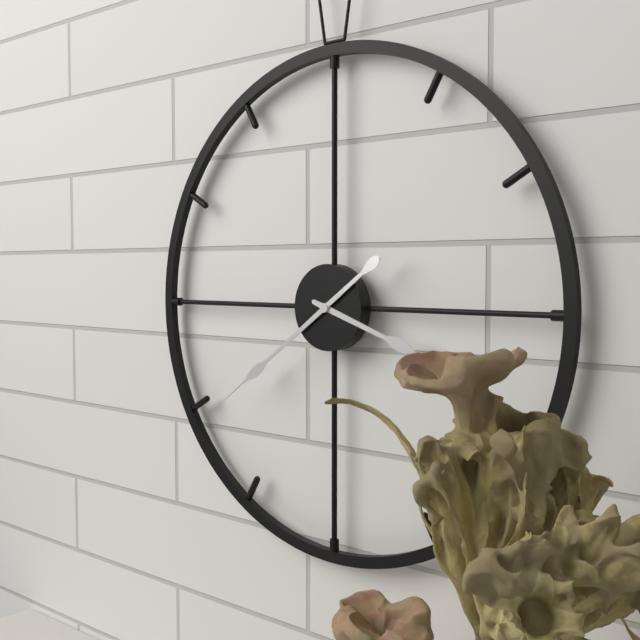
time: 3:39
